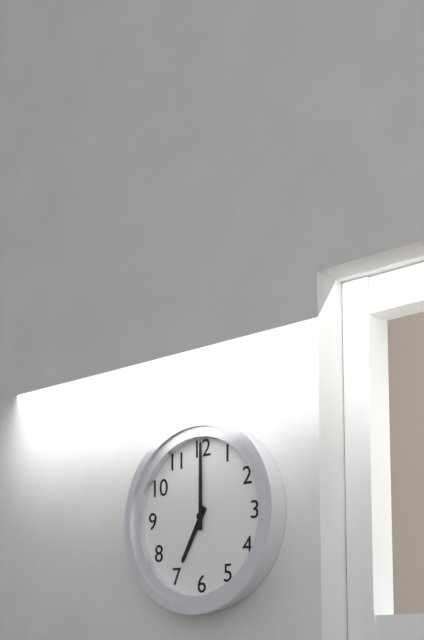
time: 7:00
